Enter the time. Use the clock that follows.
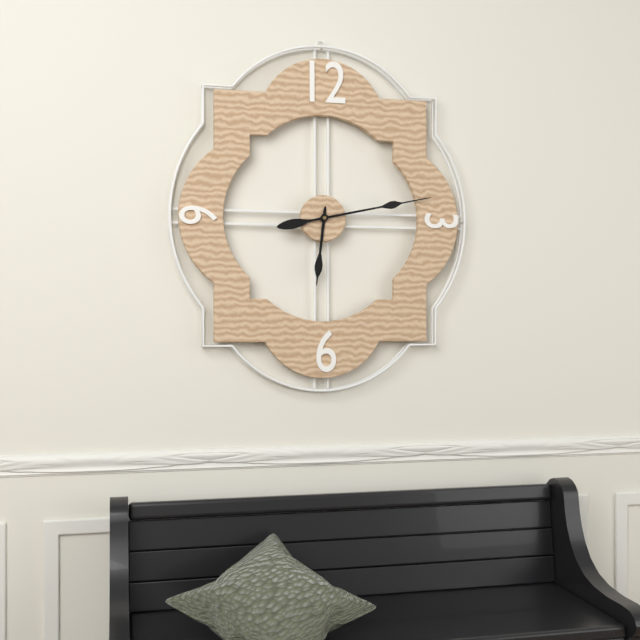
6:13
